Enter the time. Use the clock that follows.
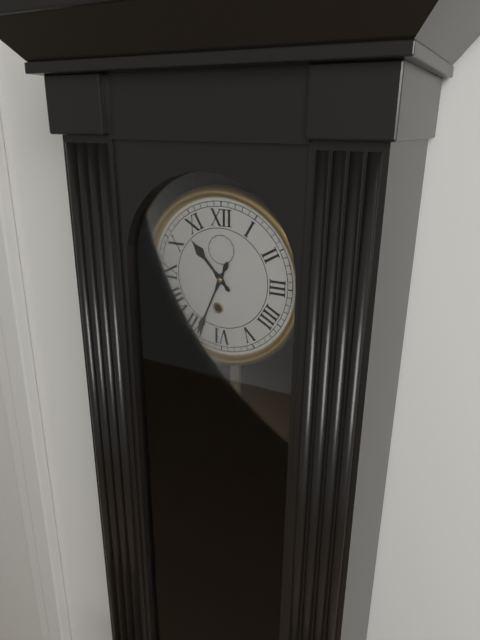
10:34
